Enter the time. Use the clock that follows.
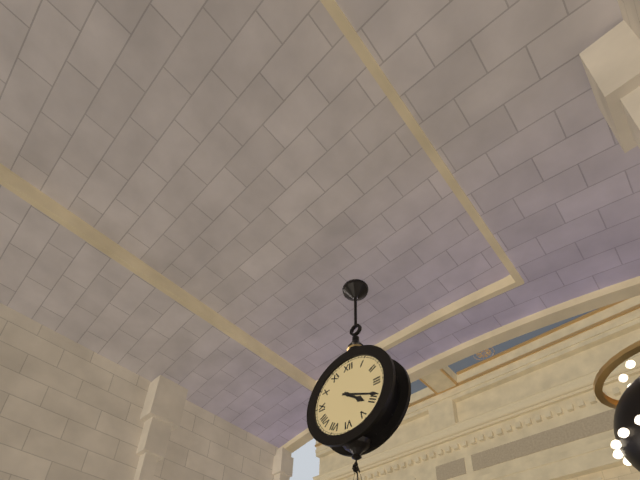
4:19
